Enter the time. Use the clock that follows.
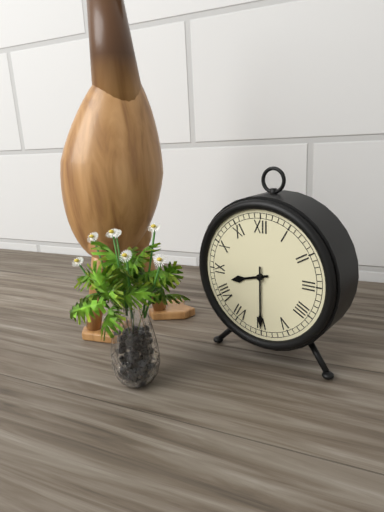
8:30
